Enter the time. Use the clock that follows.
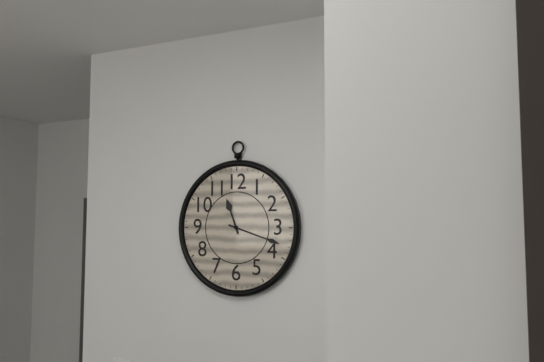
11:18
